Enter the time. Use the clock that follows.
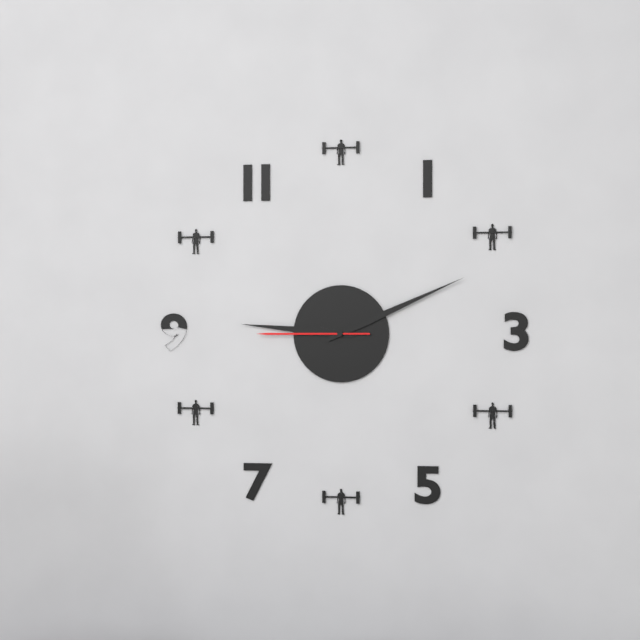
9:11:45
